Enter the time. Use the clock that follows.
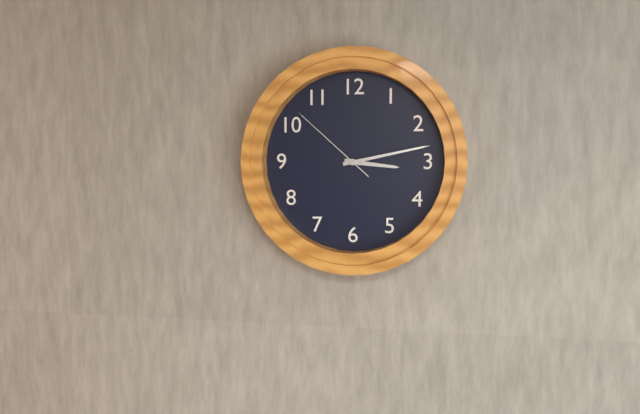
3:13:52
